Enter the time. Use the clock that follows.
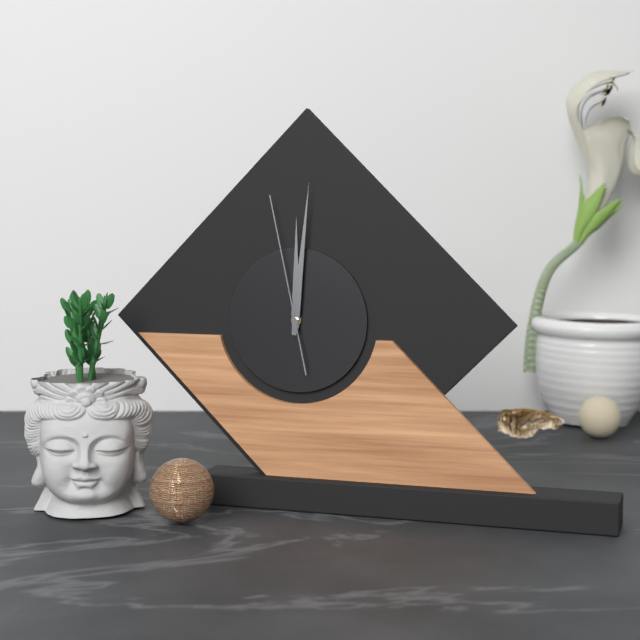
12:01:58
